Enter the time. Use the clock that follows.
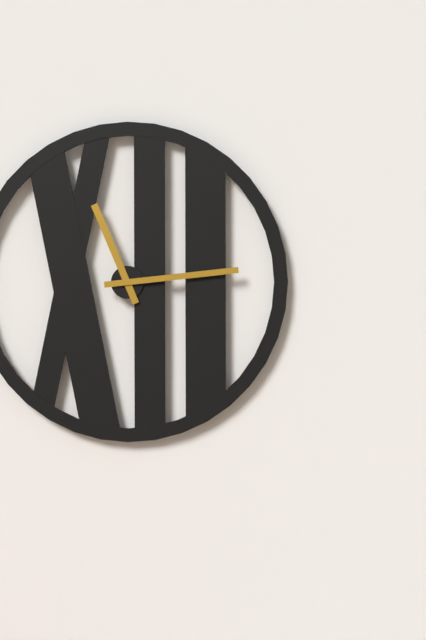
11:14
